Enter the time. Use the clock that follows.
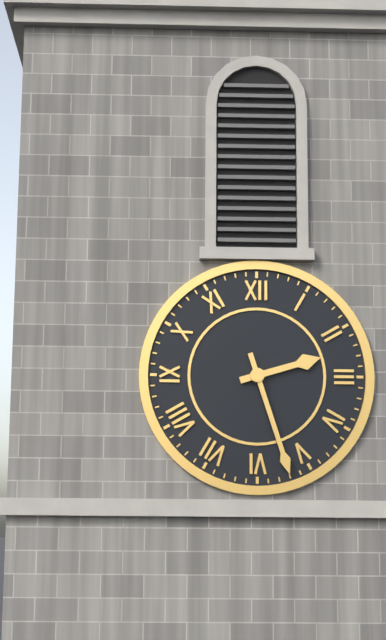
2:27
